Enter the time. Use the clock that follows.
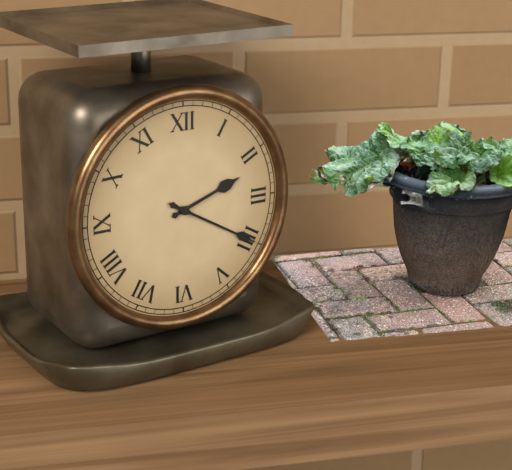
2:20
